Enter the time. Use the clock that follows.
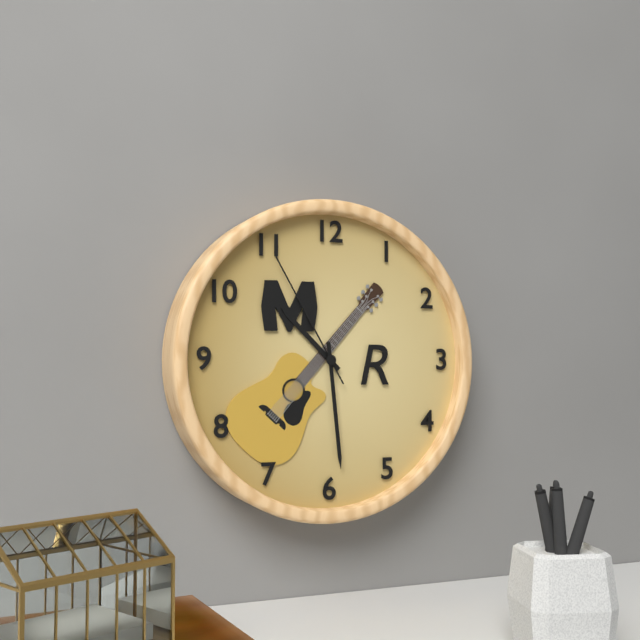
10:29:55
